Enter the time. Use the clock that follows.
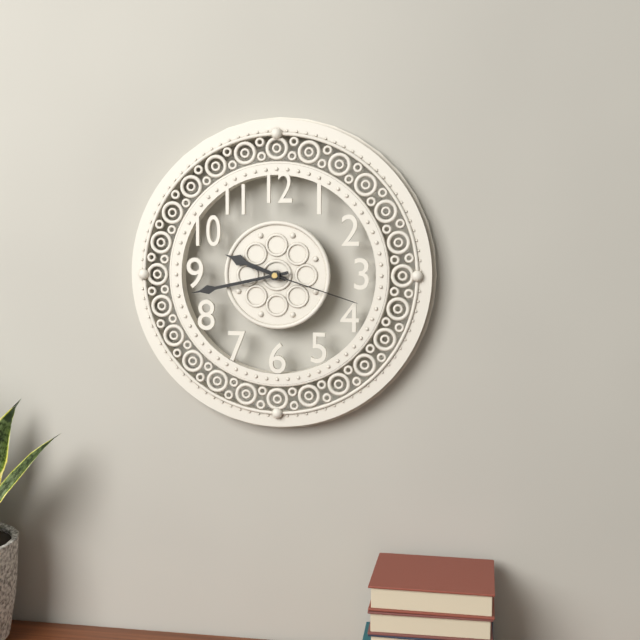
9:43:18
